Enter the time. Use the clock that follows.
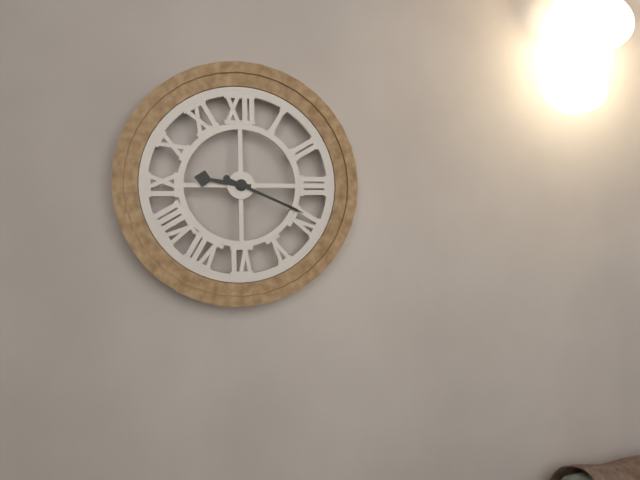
9:19
